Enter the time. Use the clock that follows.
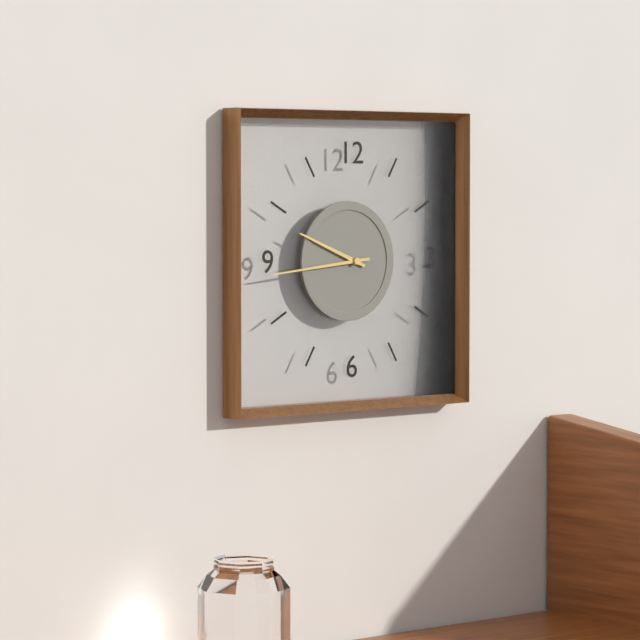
9:44
